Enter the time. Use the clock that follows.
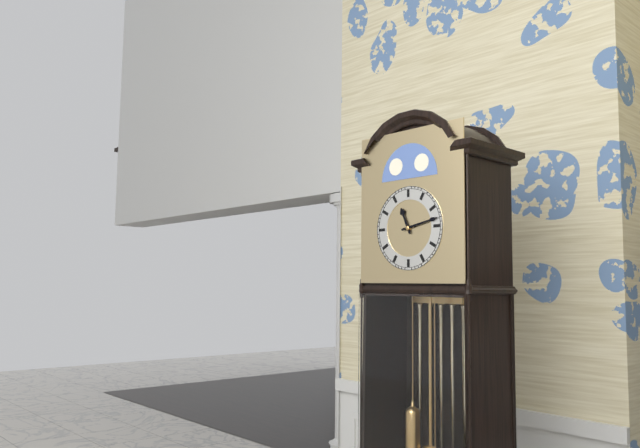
11:13
